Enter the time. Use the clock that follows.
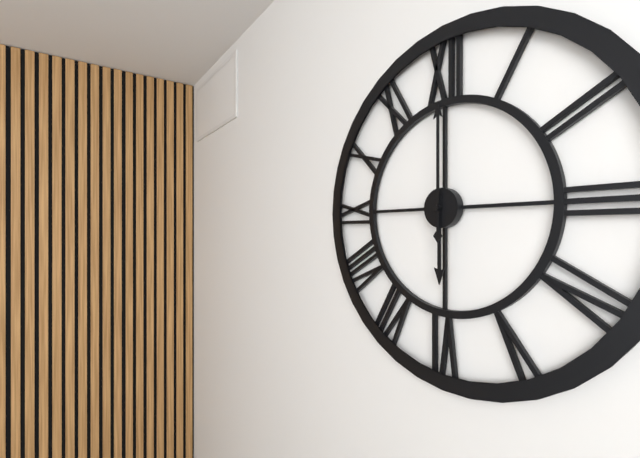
6:00
